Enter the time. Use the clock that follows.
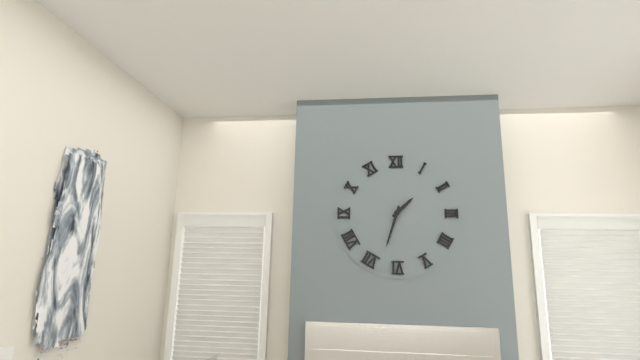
1:33
